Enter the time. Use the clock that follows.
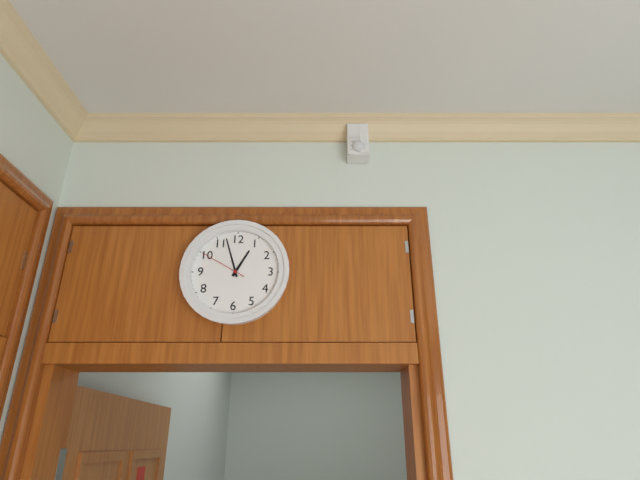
12:57
